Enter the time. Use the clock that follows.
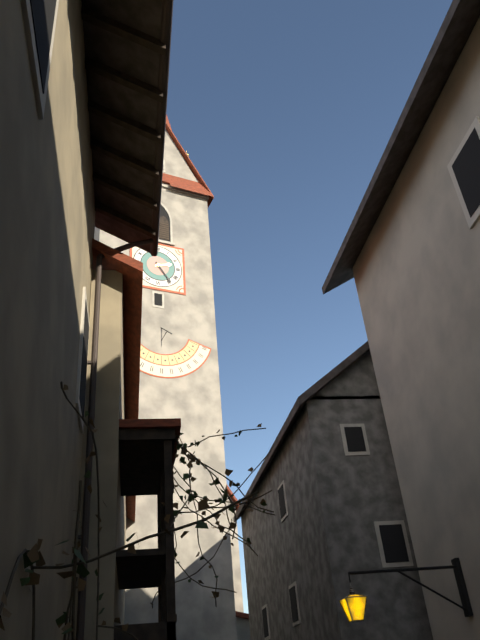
2:24
